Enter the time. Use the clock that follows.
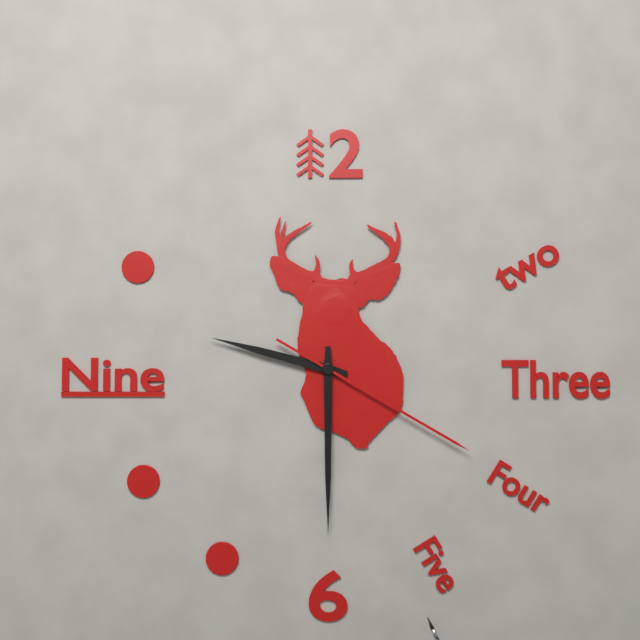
9:30:20
